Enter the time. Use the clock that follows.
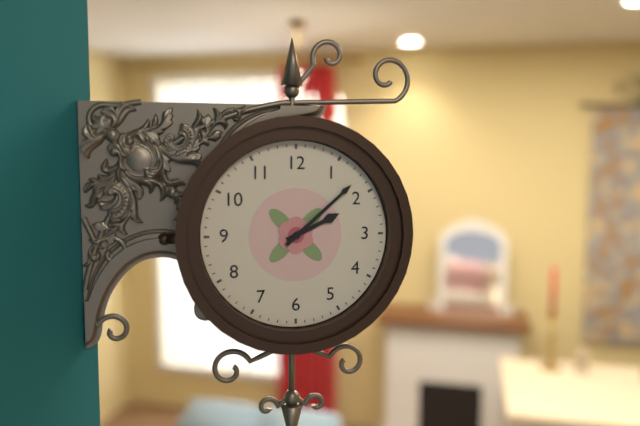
2:08
